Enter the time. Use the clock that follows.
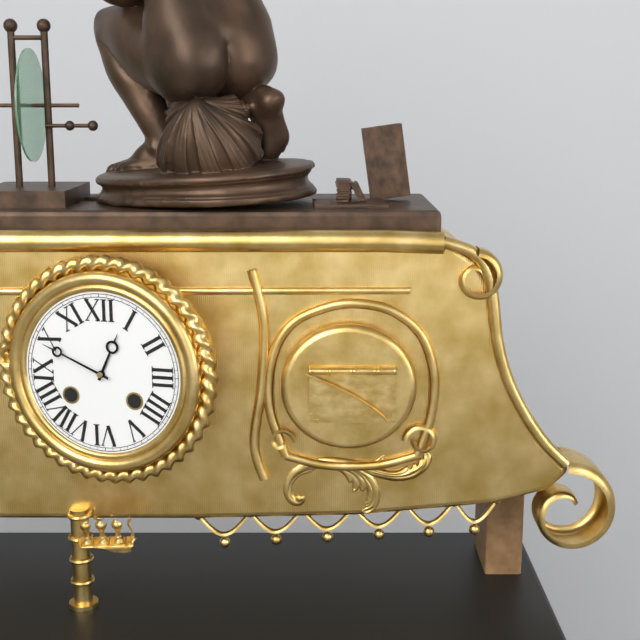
12:49
